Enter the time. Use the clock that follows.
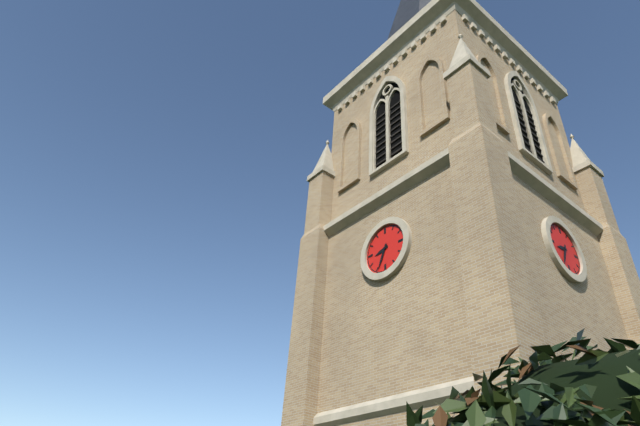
8:34
